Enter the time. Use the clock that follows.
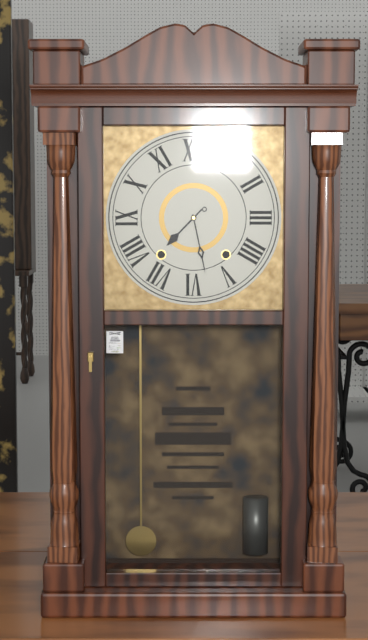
7:28
